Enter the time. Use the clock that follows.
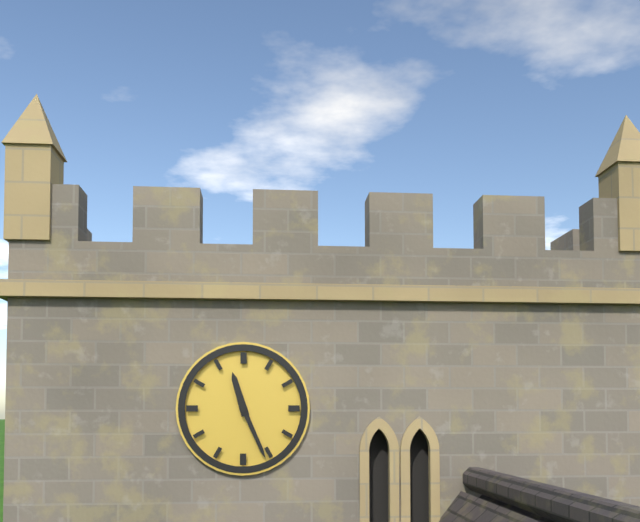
11:26
